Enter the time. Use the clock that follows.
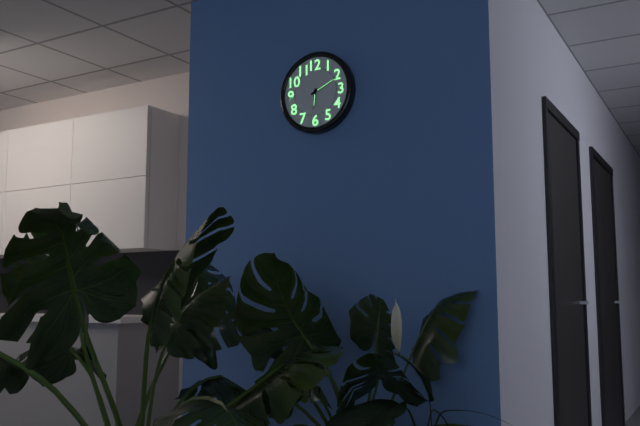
6:11
